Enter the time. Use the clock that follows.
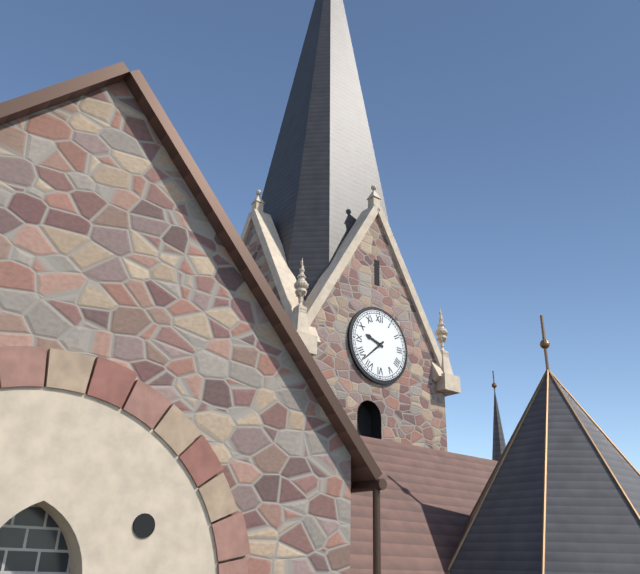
9:38
